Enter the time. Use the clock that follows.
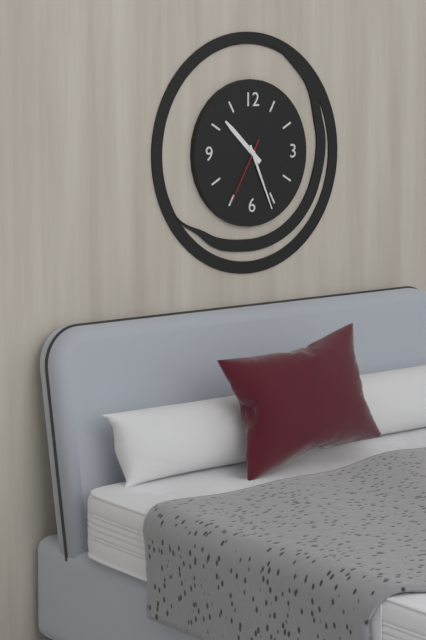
10:26:35
